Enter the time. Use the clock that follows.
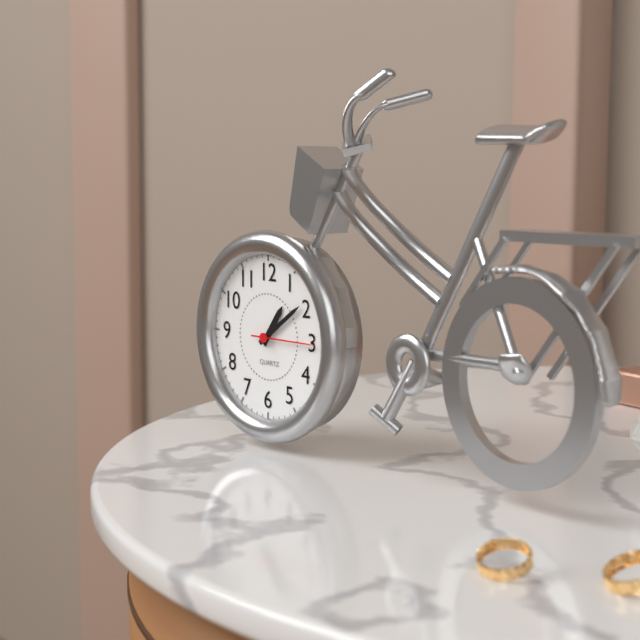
1:09:15
